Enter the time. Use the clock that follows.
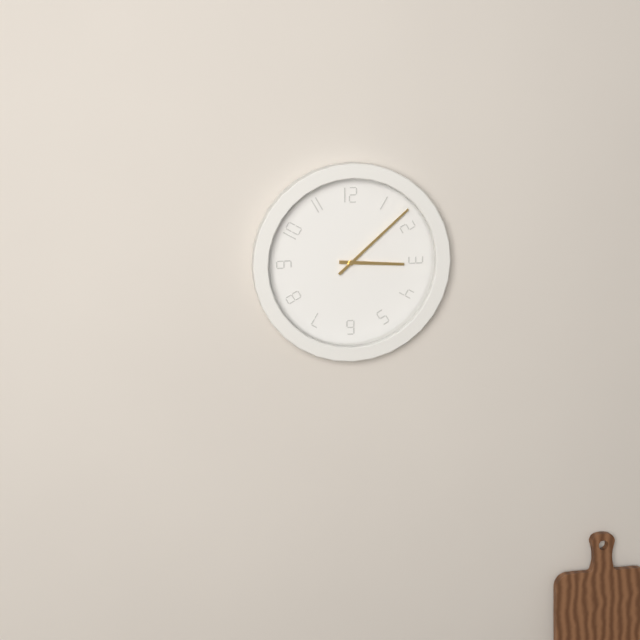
3:08
